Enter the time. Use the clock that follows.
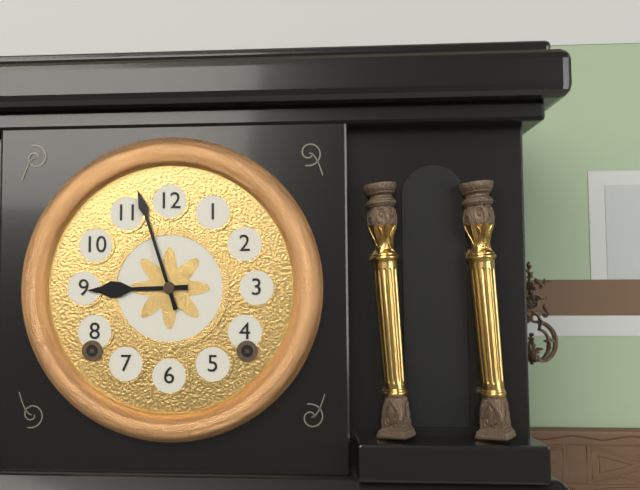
8:57
